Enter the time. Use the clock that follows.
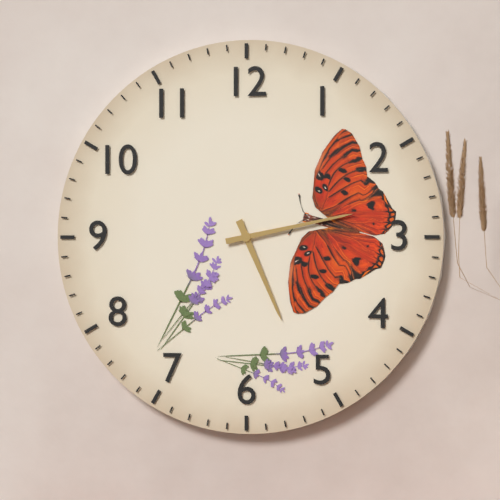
5:13
